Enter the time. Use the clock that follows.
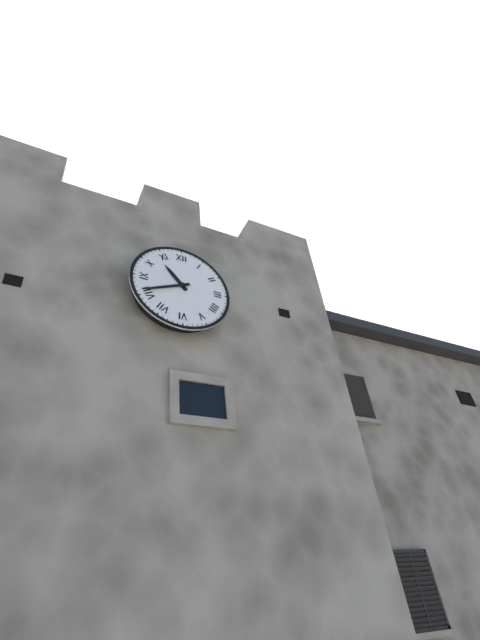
10:41
